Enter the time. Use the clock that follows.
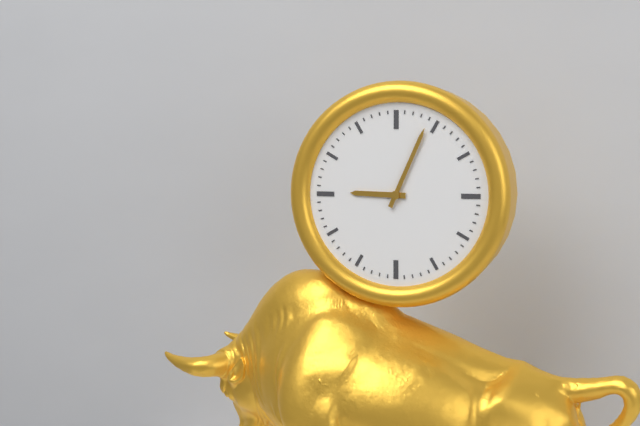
9:04
